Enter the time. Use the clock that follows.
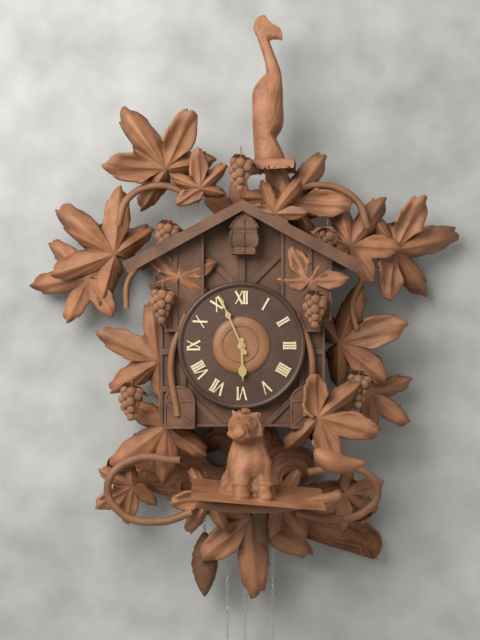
5:56
